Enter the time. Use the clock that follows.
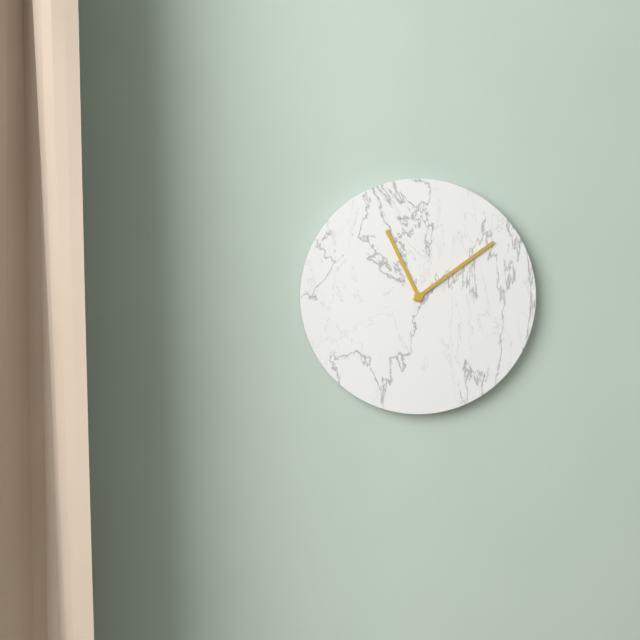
11:09
